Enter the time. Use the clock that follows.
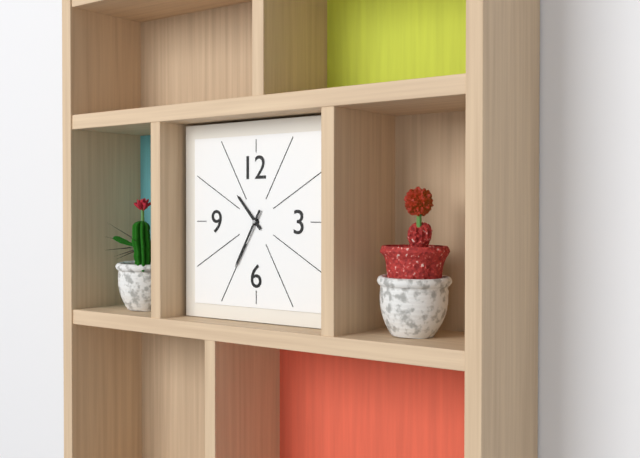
10:35
